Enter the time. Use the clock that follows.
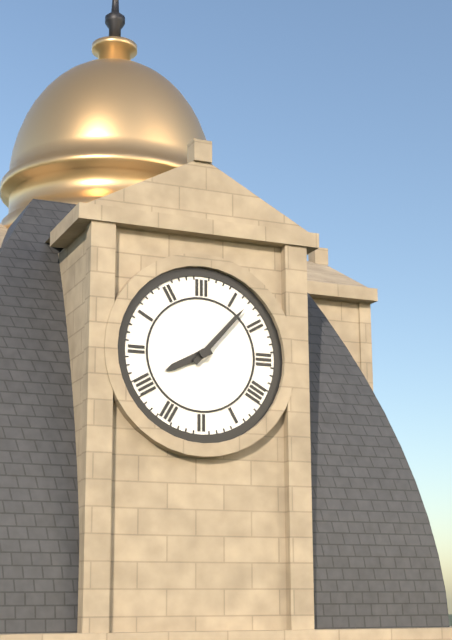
8:07
